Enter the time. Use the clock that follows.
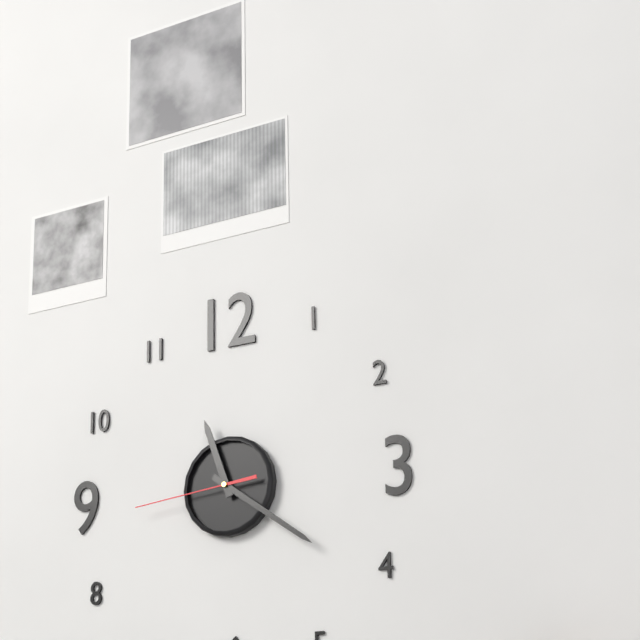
11:21:44
